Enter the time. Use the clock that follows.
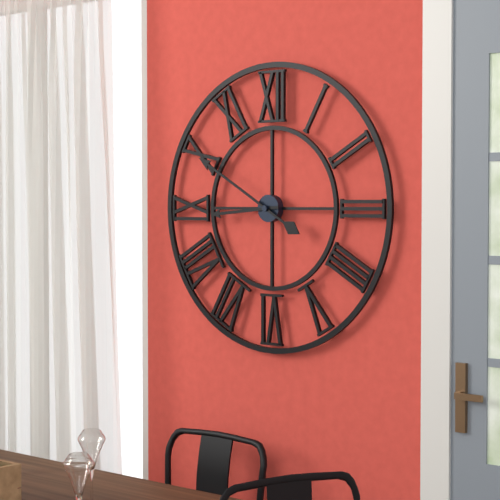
8:50
